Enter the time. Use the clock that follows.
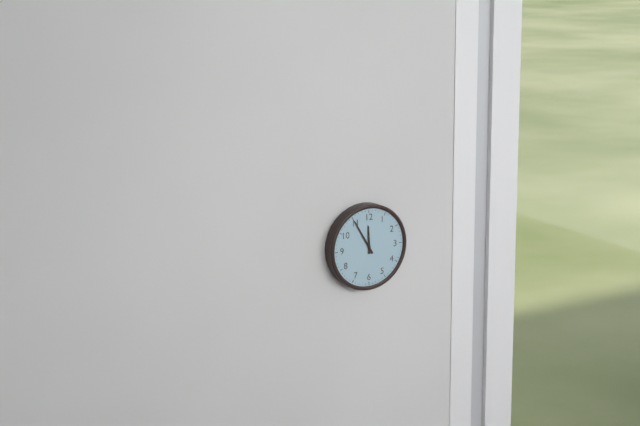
11:55
